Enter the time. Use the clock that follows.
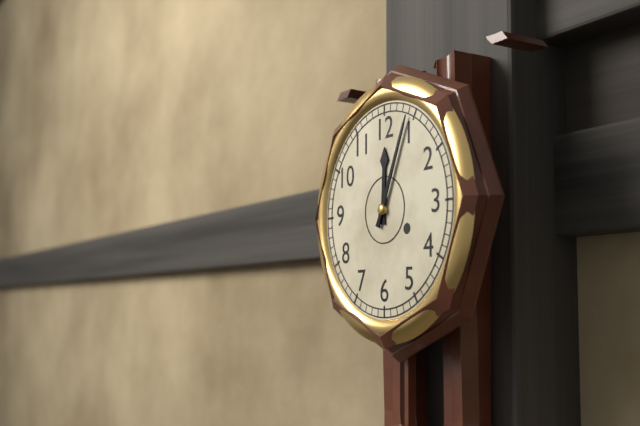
12:04
